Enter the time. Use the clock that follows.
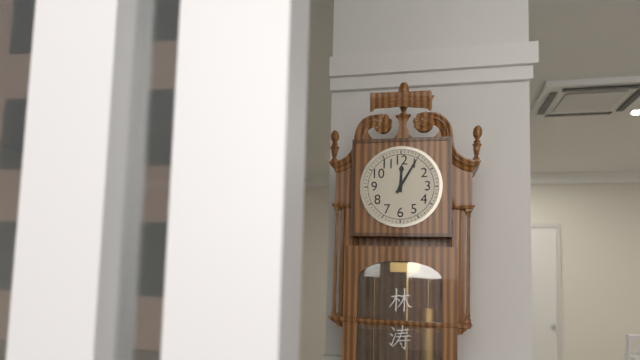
12:05
